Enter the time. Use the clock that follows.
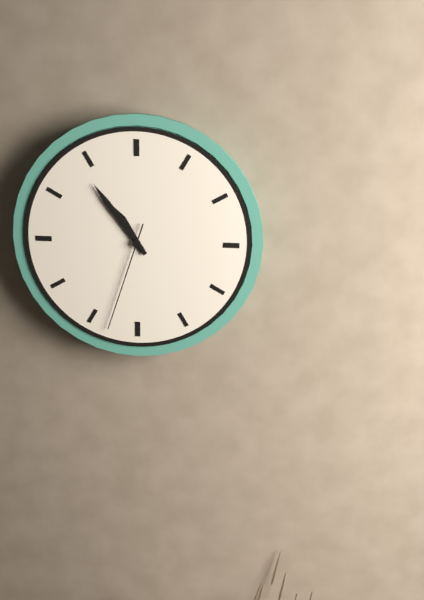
10:54:33
